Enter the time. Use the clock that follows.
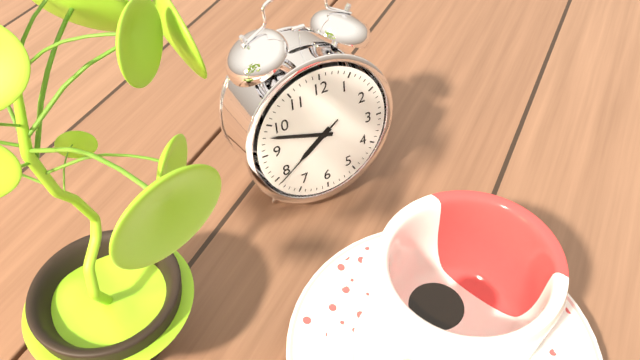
7:48:39
